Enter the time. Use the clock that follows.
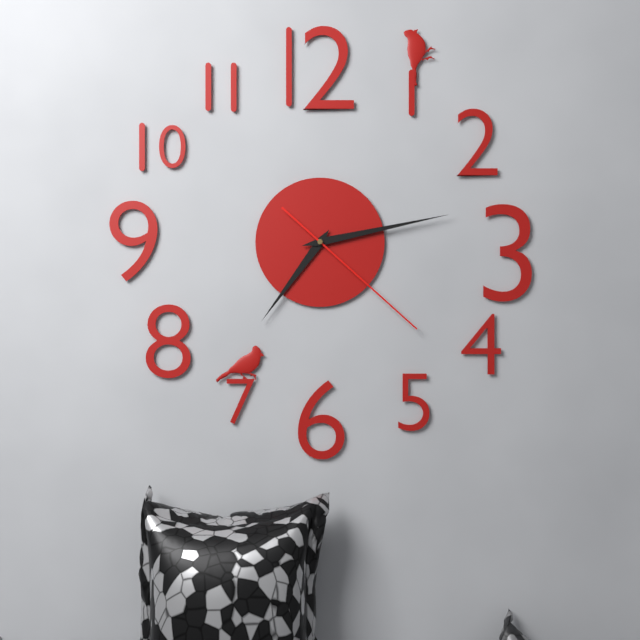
7:13:22
